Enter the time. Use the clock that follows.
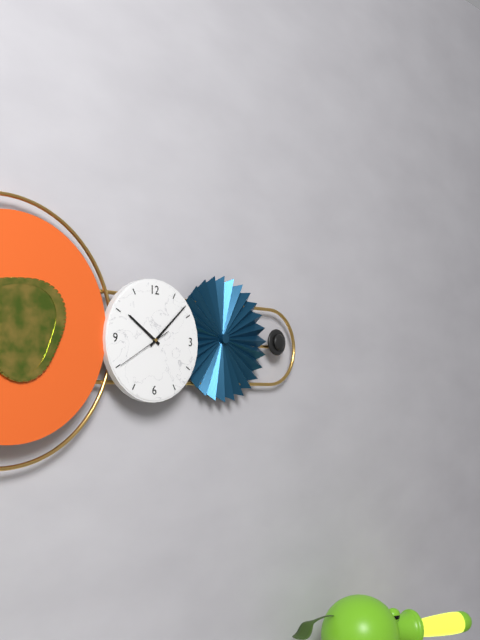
10:08:40
